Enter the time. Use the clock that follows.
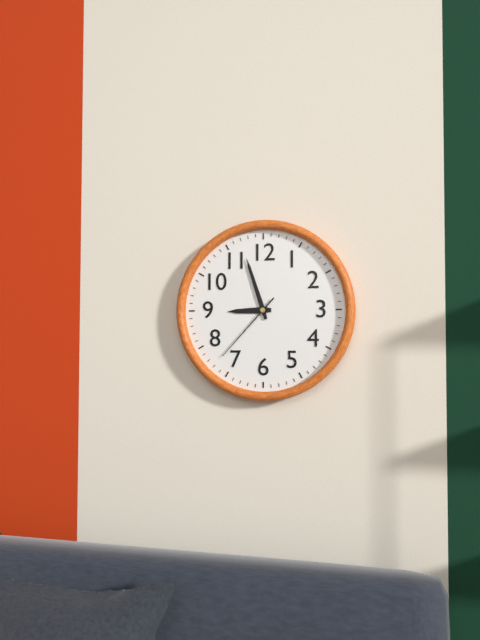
8:57:37
